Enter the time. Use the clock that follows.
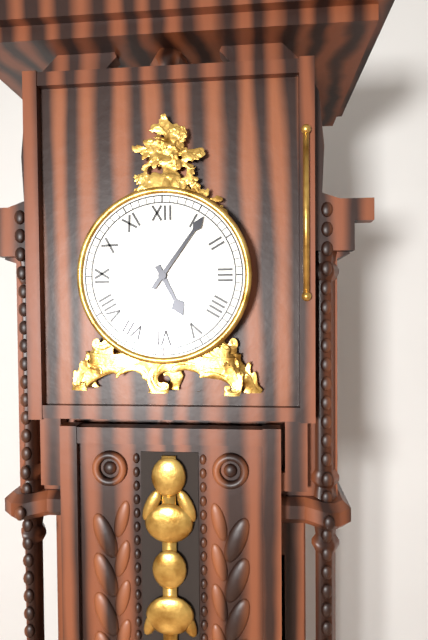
5:06
